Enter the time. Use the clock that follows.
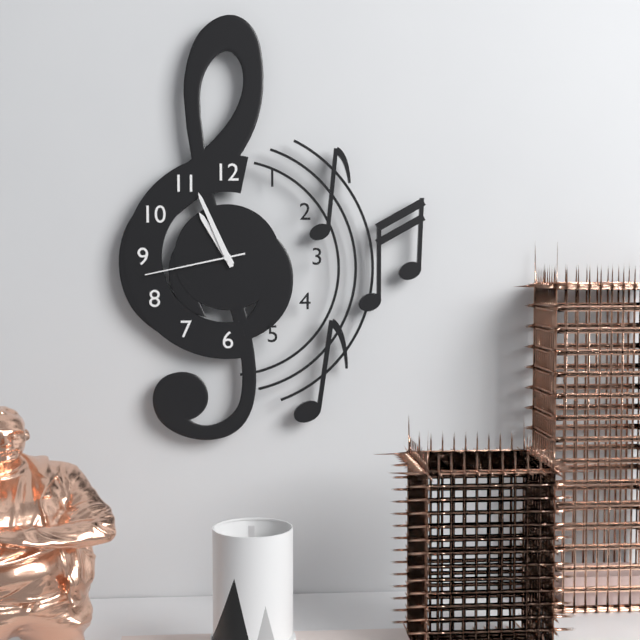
10:56:43
